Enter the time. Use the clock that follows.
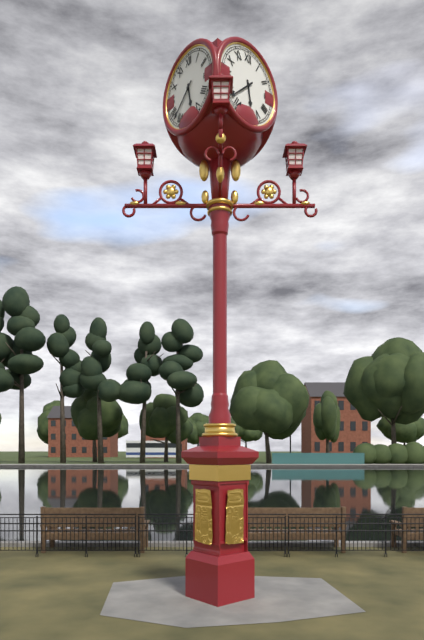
5:38
